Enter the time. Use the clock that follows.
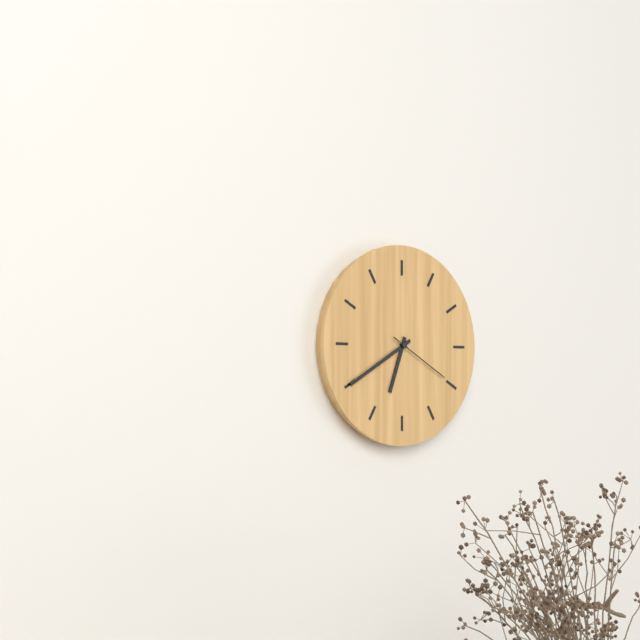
6:40:20
